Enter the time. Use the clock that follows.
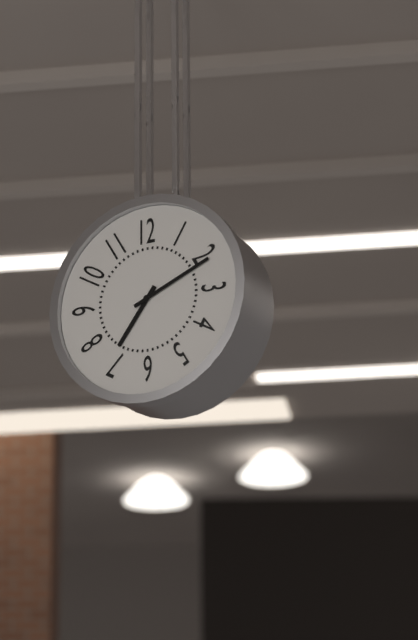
7:11
